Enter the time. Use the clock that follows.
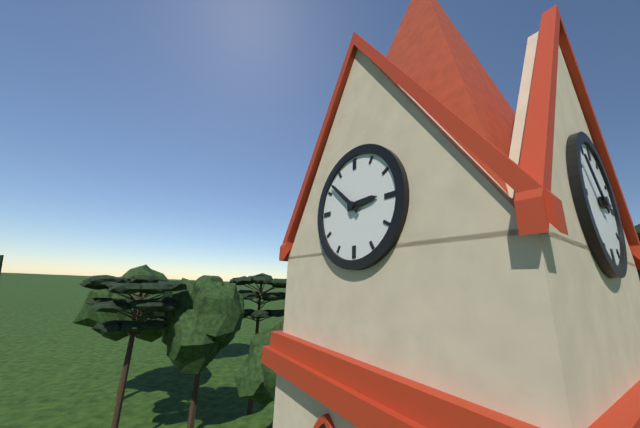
2:52
